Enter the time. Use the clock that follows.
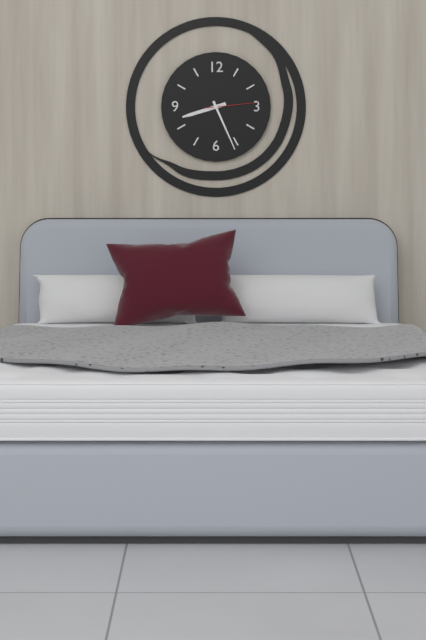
8:26:14
